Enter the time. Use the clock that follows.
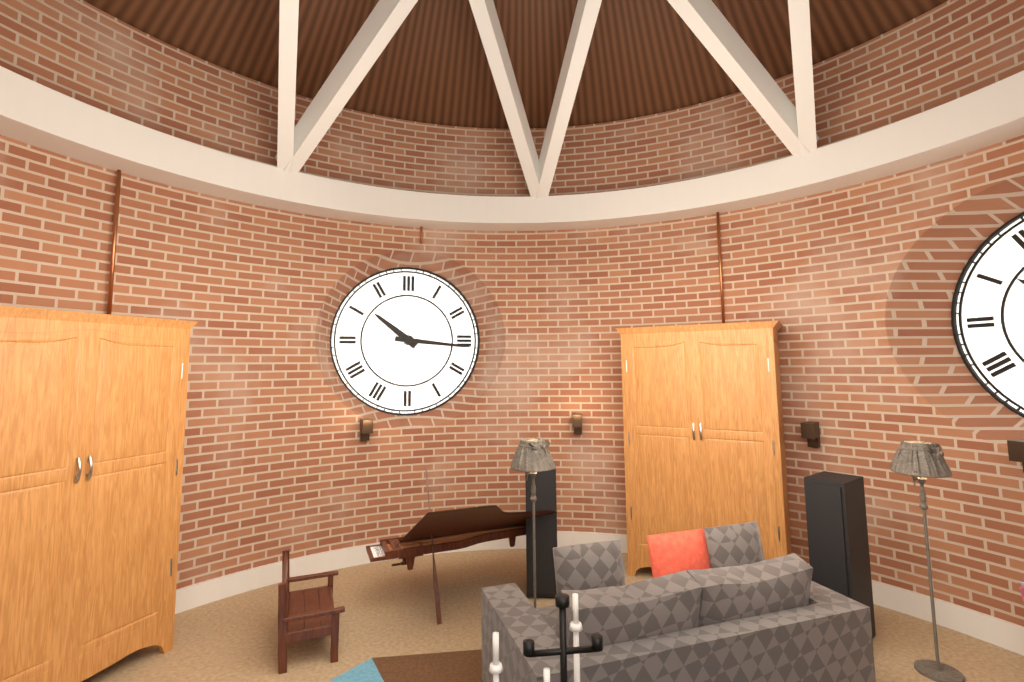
10:16
